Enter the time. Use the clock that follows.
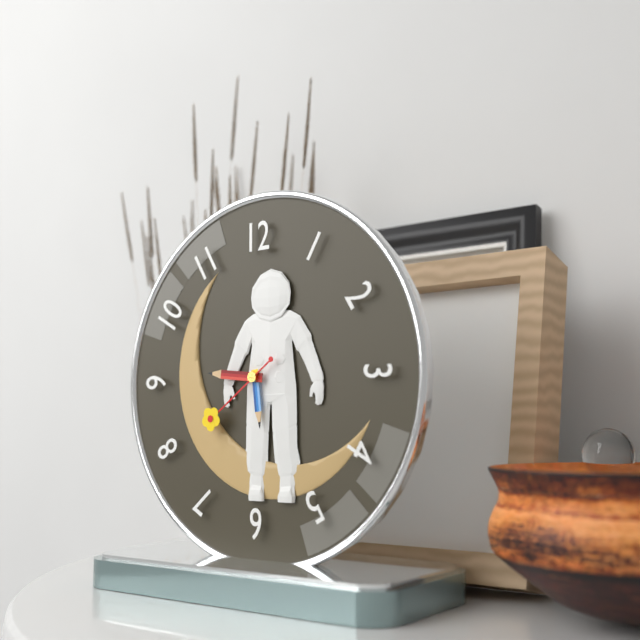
5:46:39
